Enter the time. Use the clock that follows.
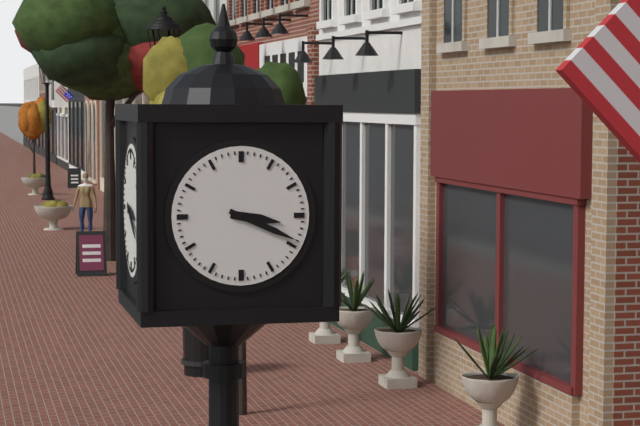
3:19
